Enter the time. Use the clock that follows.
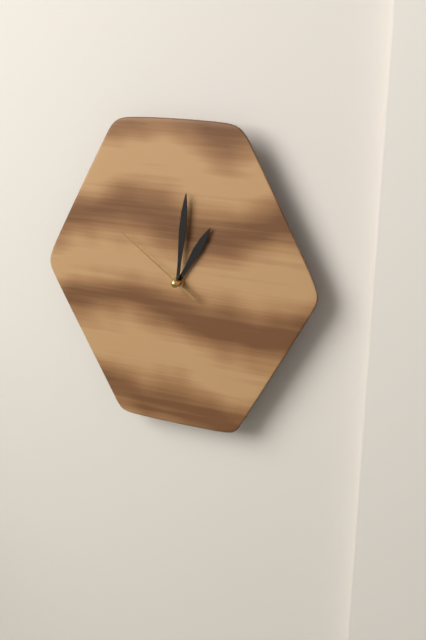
1:01:51
